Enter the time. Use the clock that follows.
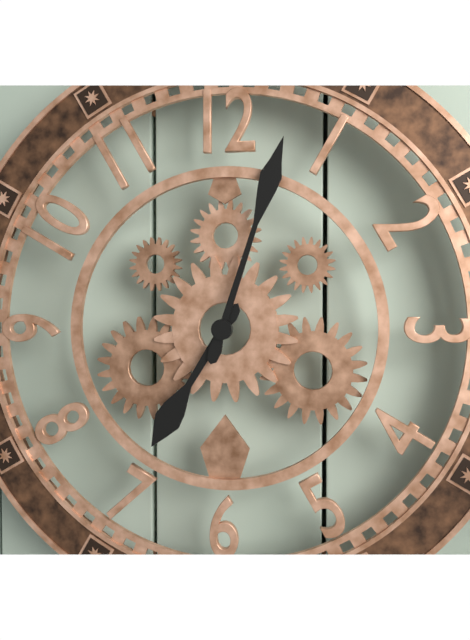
7:03
